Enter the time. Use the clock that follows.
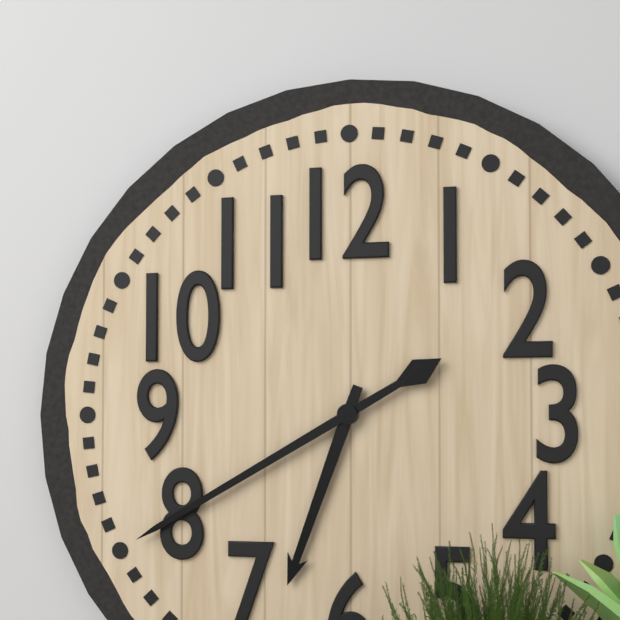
6:40
